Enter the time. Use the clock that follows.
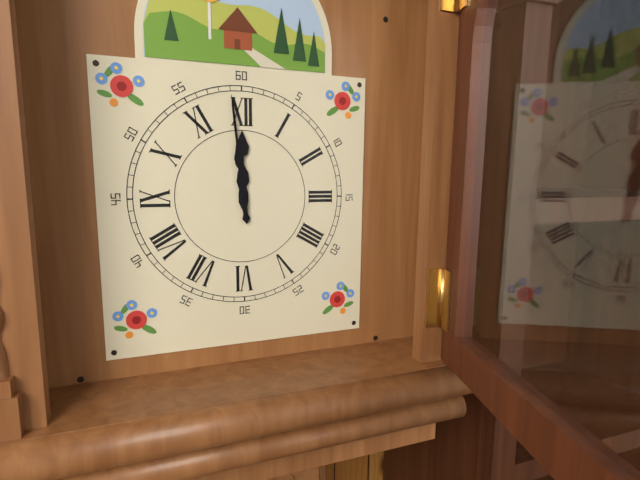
11:59
